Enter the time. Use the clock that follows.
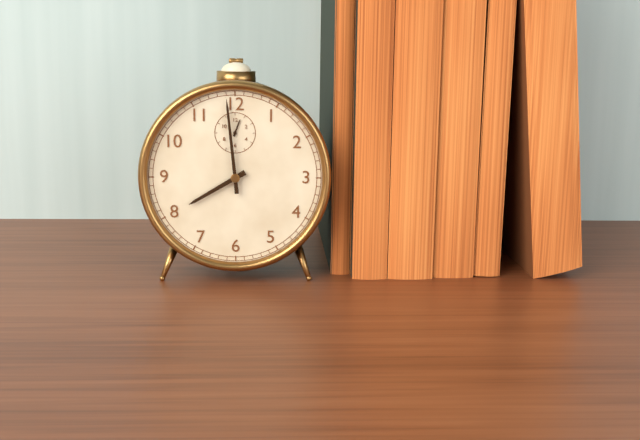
7:59
